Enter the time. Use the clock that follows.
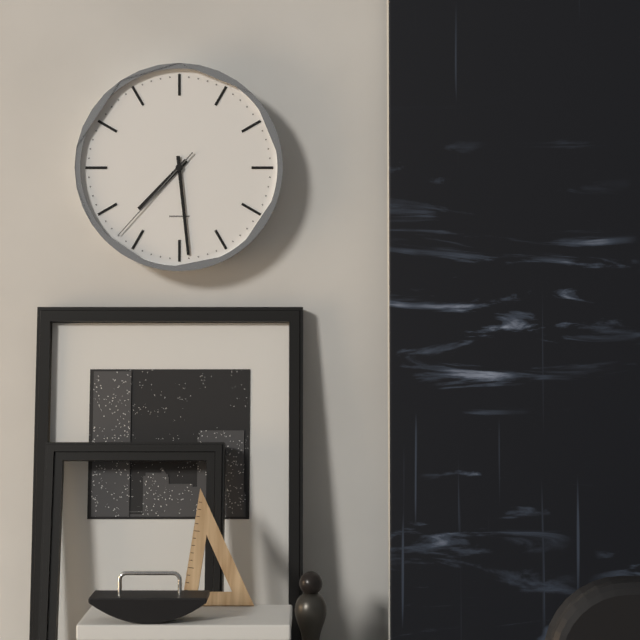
7:29:37
